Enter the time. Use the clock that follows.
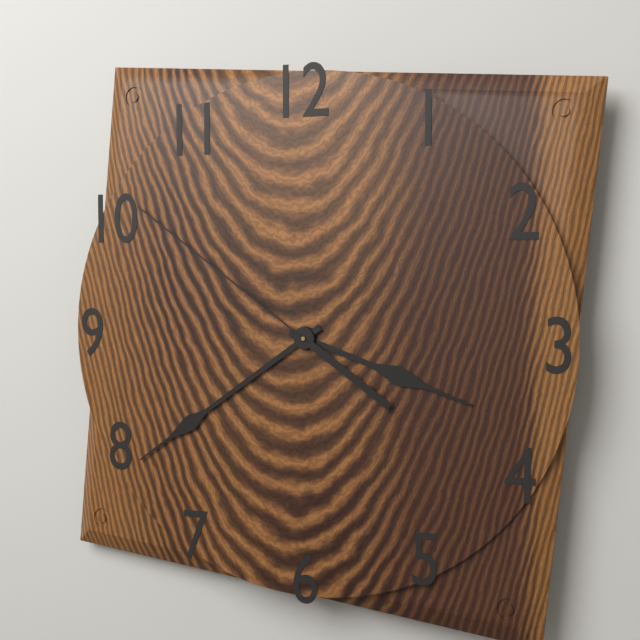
3:39:51
